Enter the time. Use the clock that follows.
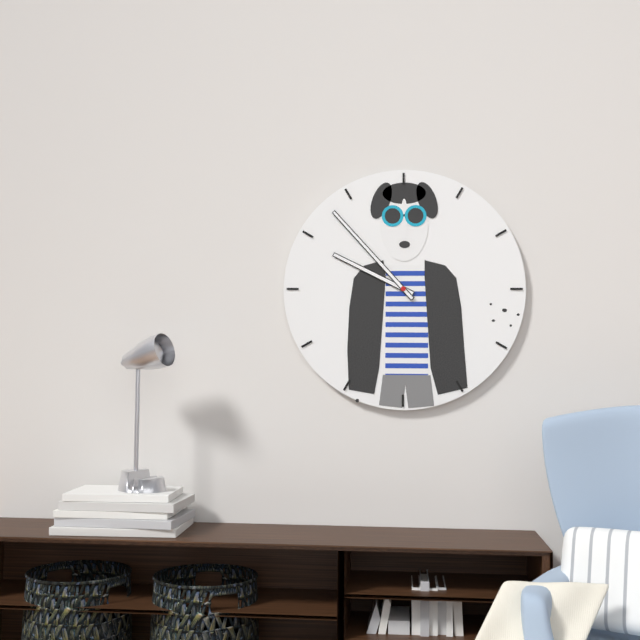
9:53
